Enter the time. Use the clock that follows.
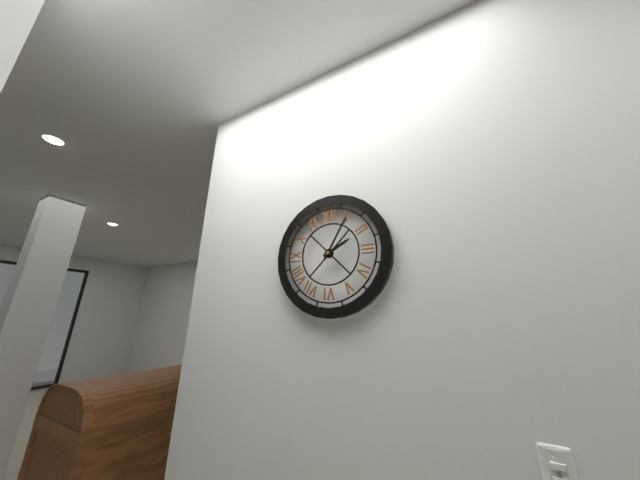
2:05
